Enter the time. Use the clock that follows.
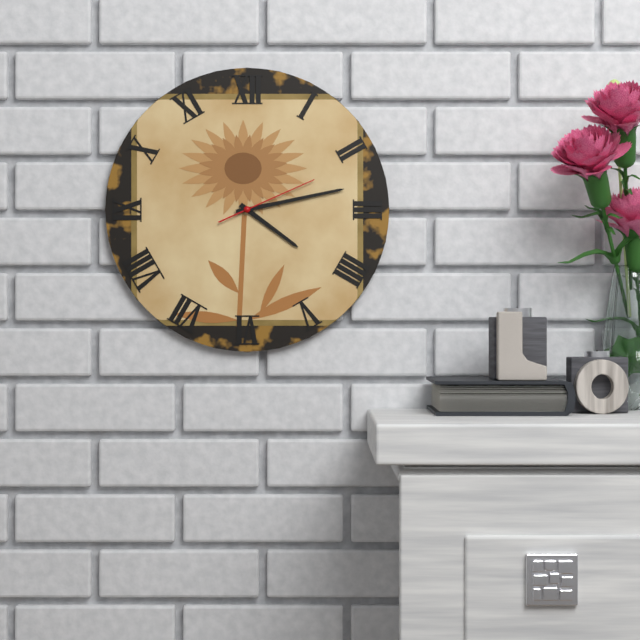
4:13:11
